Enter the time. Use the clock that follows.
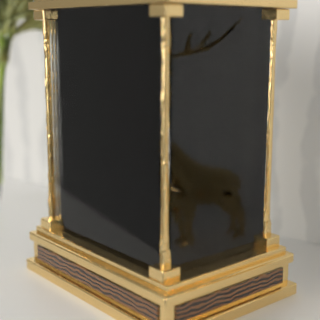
10:06
